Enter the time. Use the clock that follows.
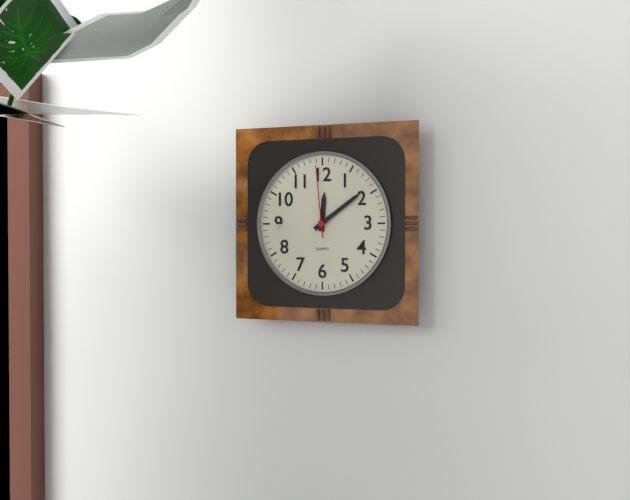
12:09:59
